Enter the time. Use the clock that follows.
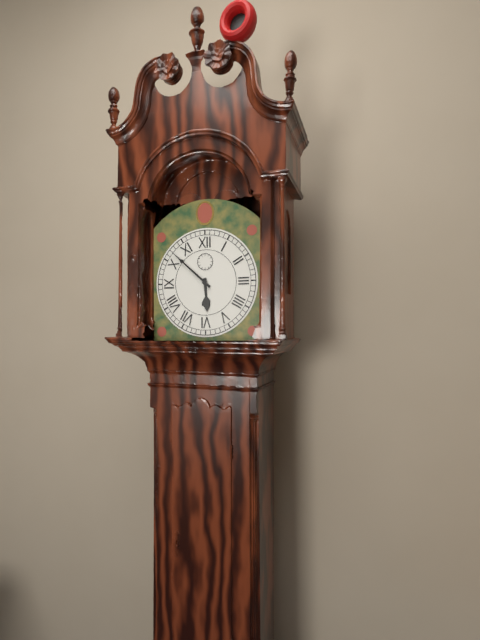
5:52
